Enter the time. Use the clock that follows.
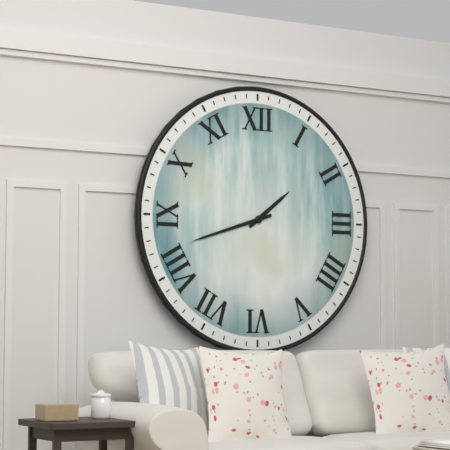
1:42
